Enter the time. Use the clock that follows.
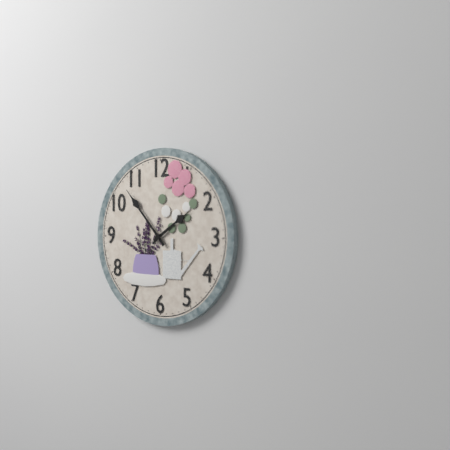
1:53
